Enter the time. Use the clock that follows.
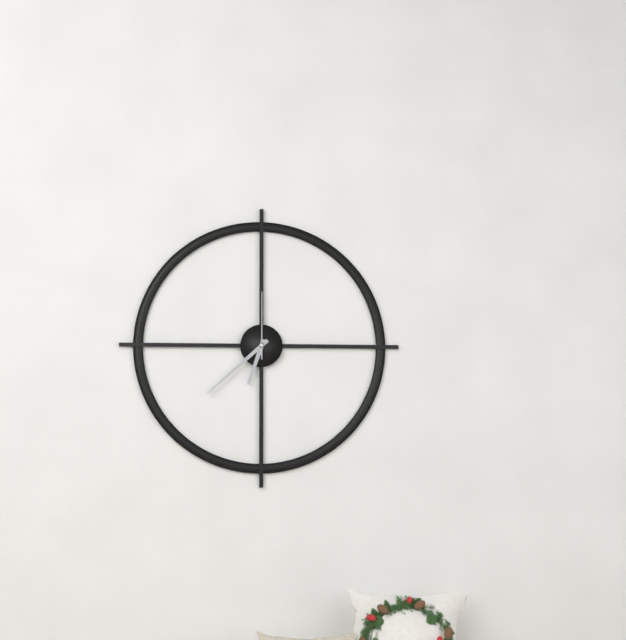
6:38:00
